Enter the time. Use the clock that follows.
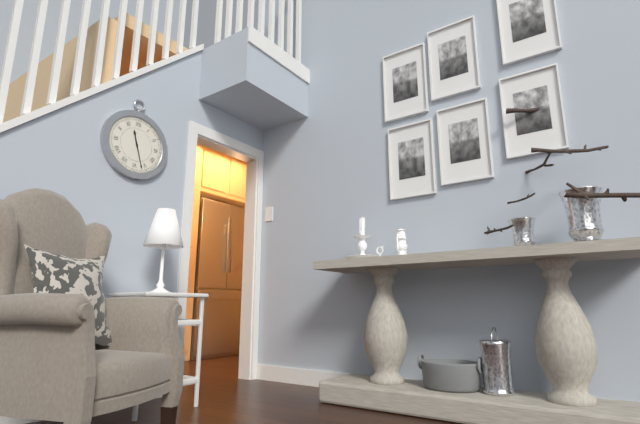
11:27
